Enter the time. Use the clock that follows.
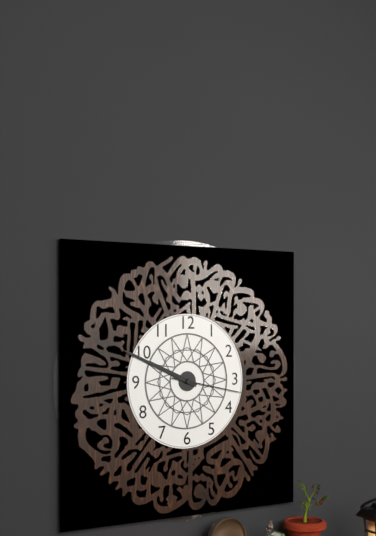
9:49:17
